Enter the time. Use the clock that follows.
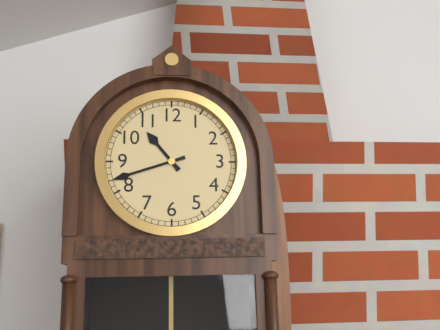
10:42
